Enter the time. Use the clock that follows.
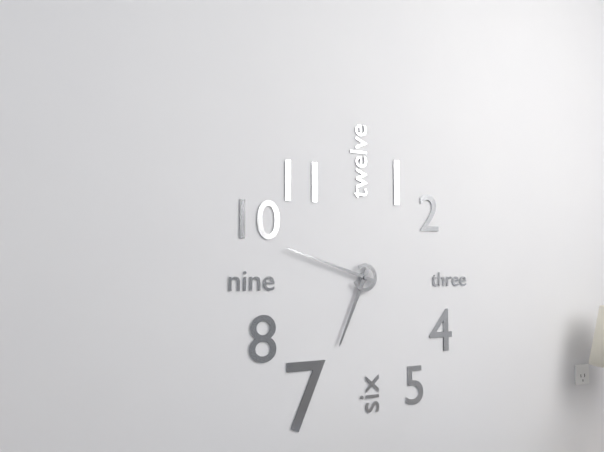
6:48
